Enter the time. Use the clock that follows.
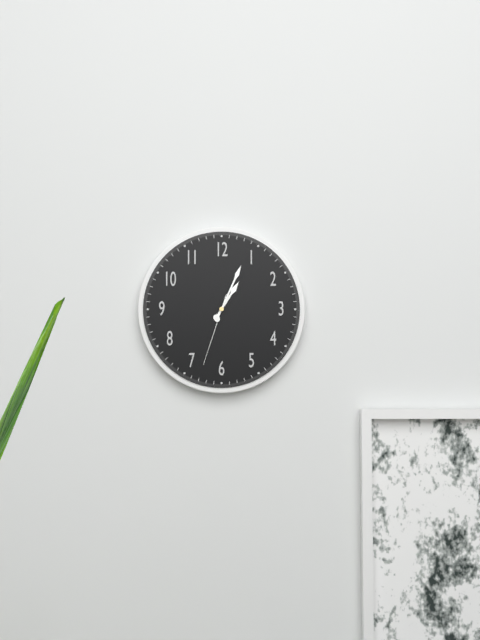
1:04:33
